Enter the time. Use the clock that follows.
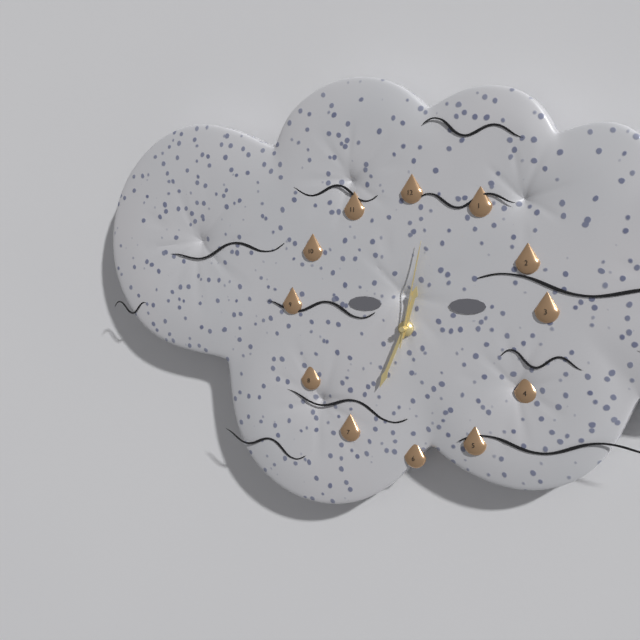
12:34:02
